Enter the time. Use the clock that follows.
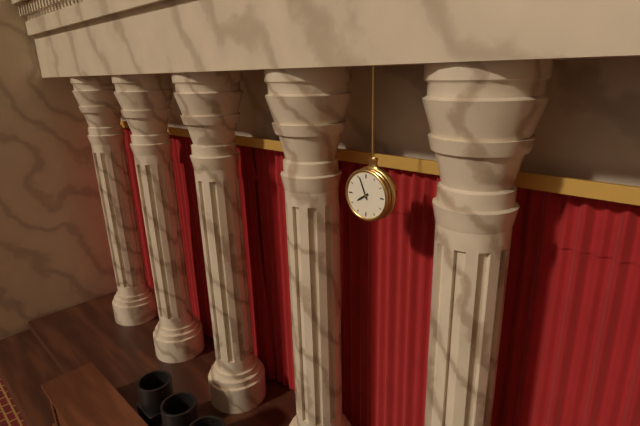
7:56
